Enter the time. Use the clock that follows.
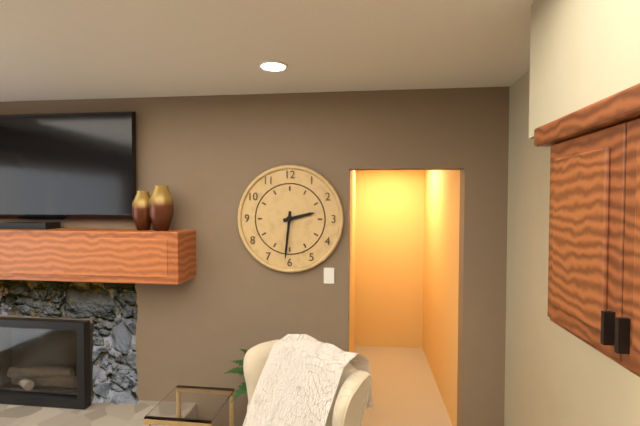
2:31
